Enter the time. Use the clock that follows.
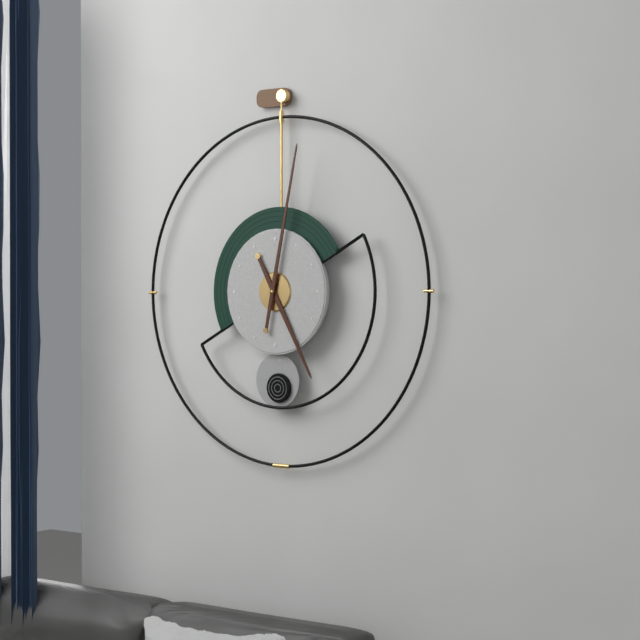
5:02
